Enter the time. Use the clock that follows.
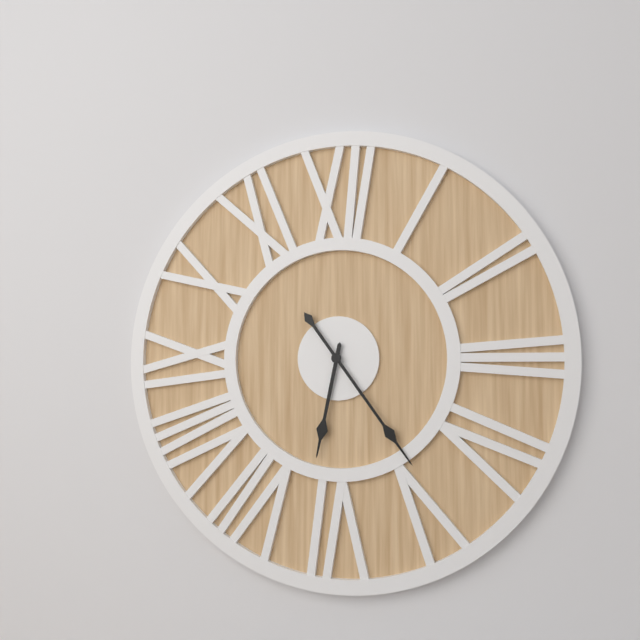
6:24
